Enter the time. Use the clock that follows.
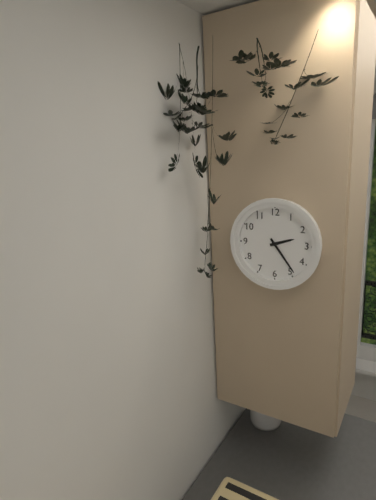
2:24
